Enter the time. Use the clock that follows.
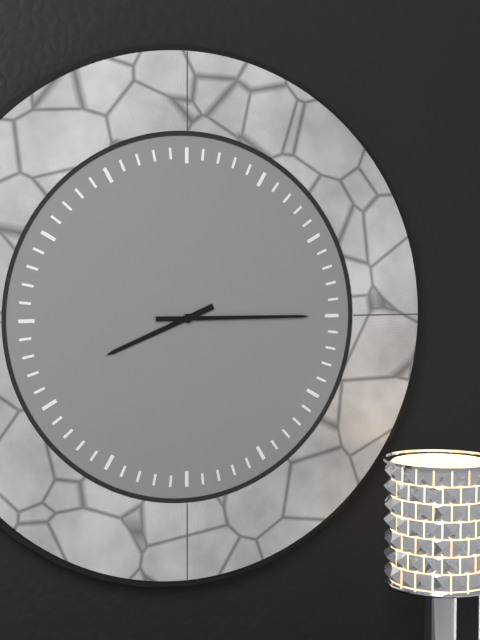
8:15
